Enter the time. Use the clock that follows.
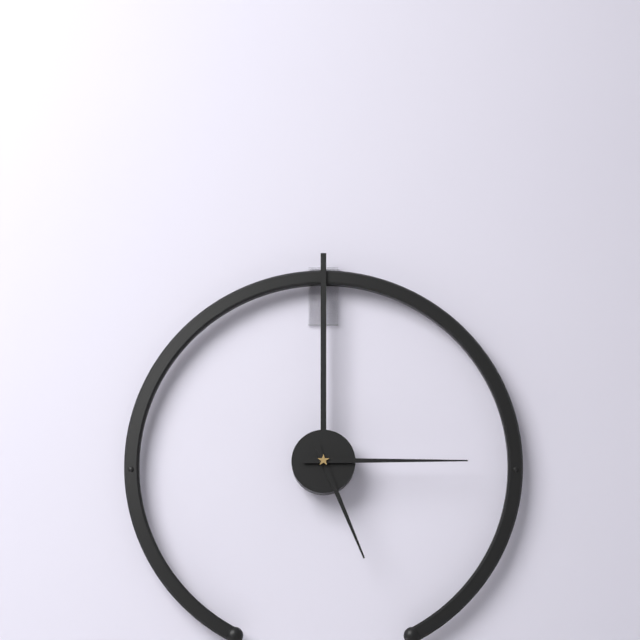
5:15
